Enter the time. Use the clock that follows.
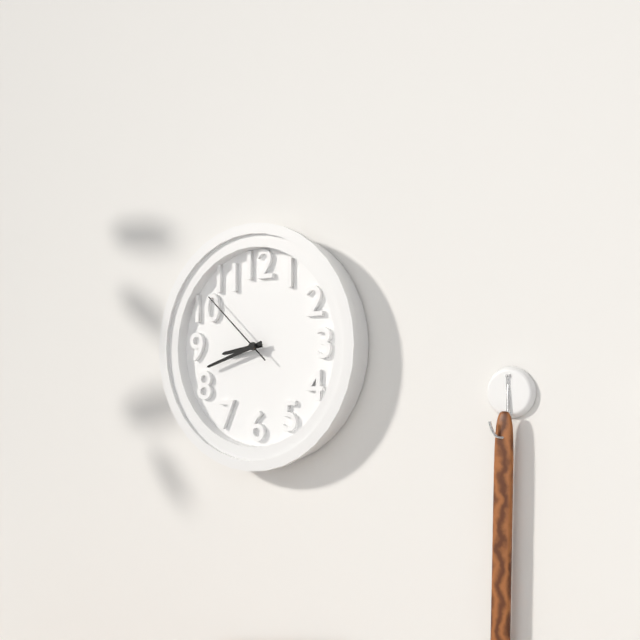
8:42:52
